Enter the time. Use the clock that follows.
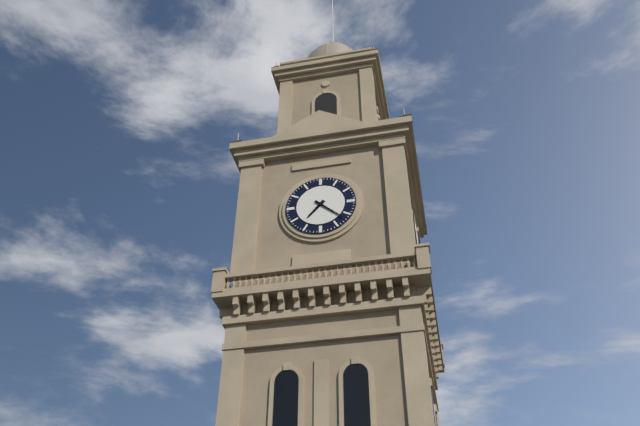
7:22
